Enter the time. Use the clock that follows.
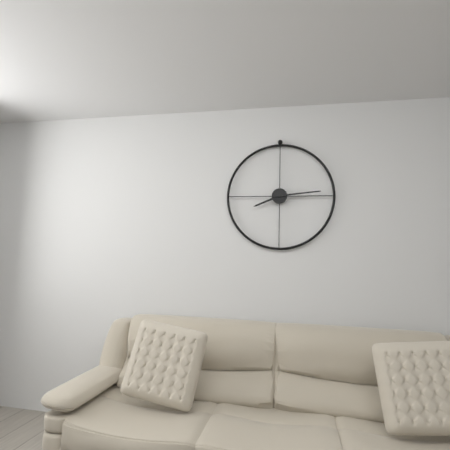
8:14
